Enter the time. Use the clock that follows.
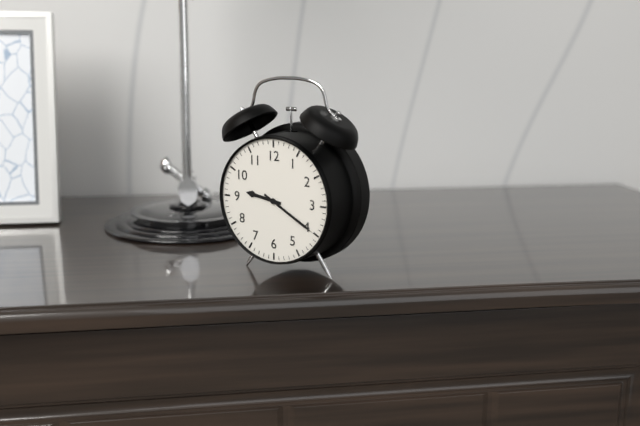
9:20
